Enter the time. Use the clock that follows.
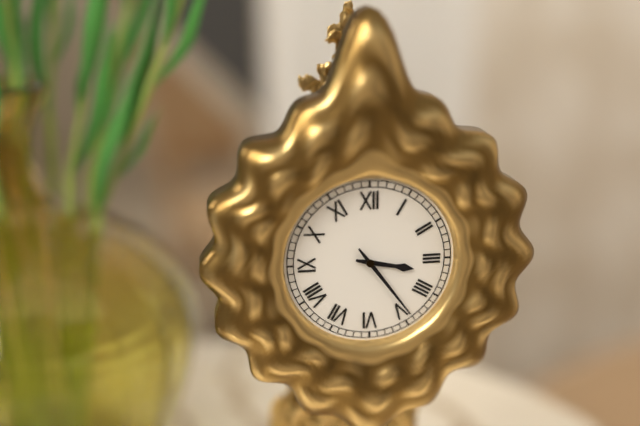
3:24
